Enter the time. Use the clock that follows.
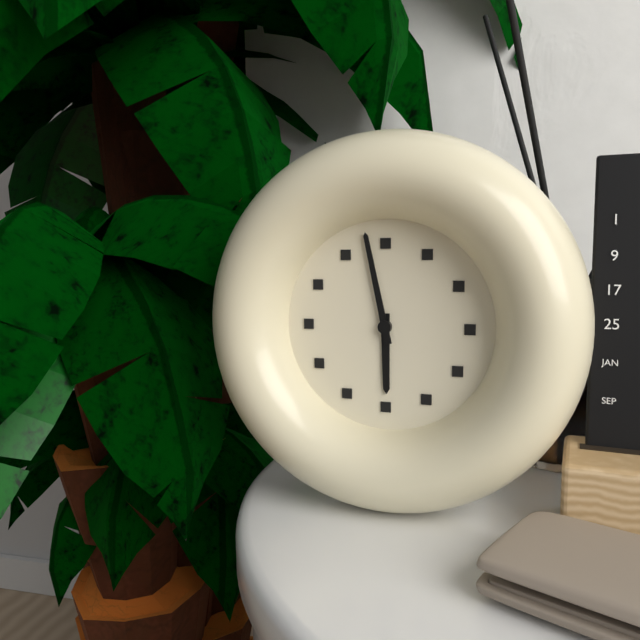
5:58
